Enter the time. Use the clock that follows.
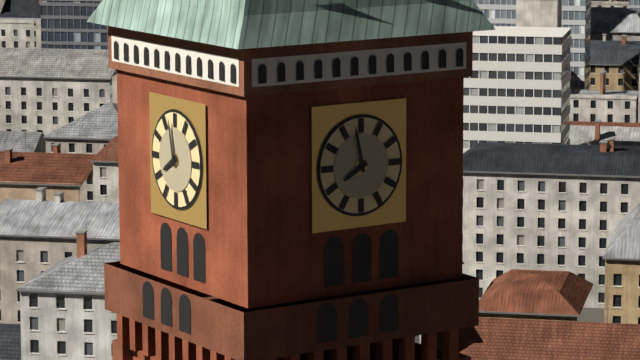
7:58
